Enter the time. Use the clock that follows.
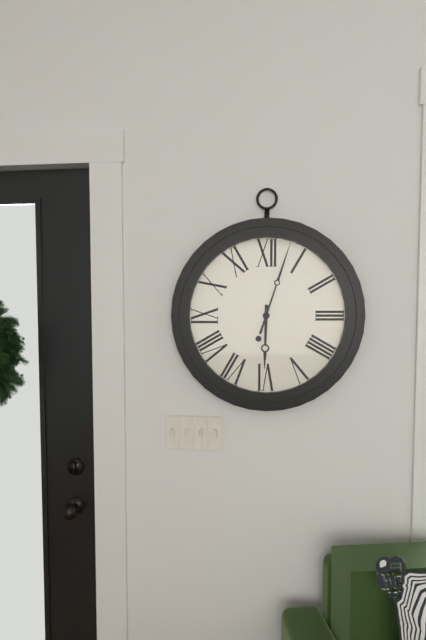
6:03
